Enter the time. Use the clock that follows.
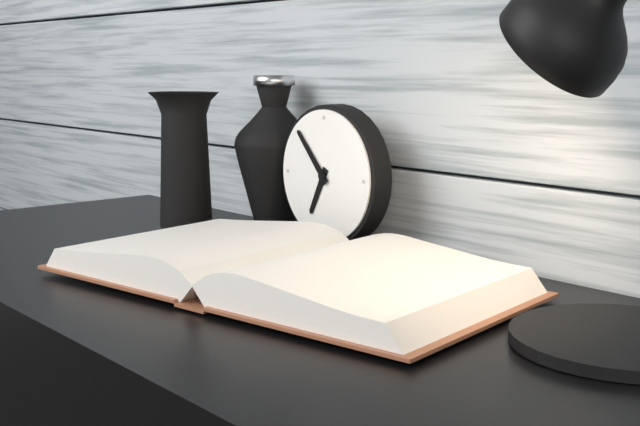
6:53
